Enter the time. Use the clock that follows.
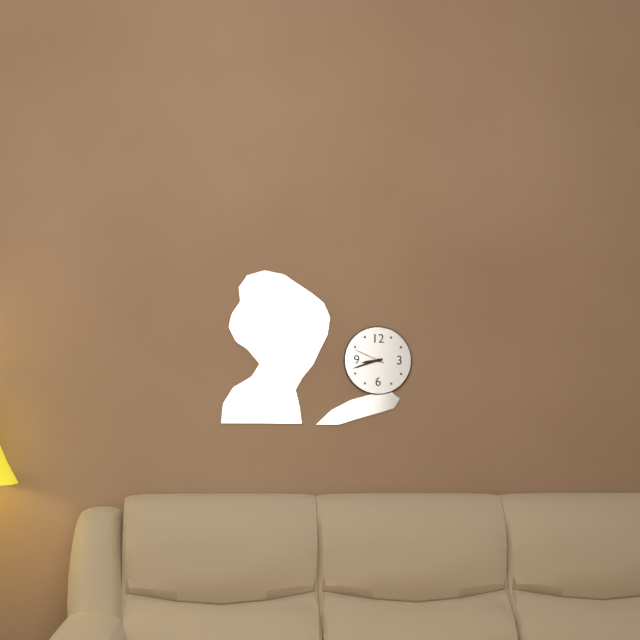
8:42
